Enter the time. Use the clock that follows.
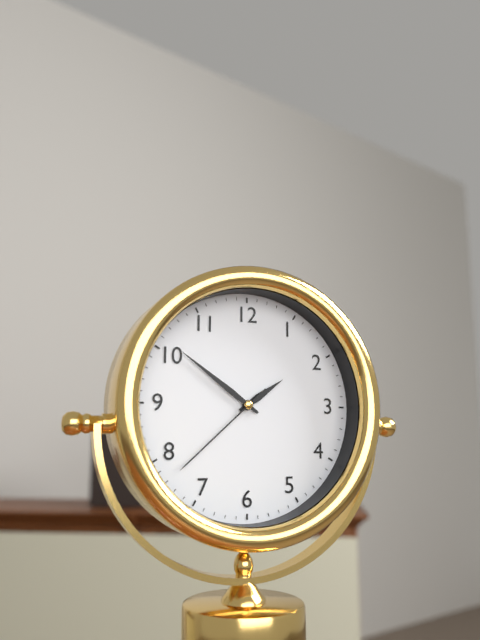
1:51:38
